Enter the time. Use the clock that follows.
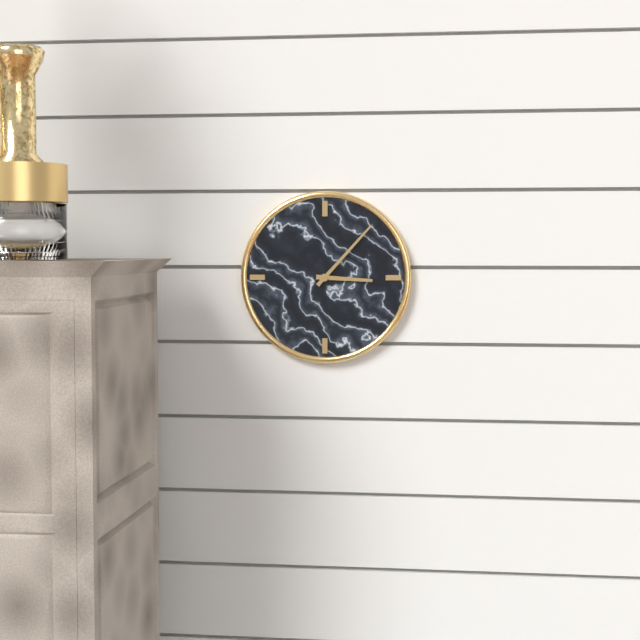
3:07
